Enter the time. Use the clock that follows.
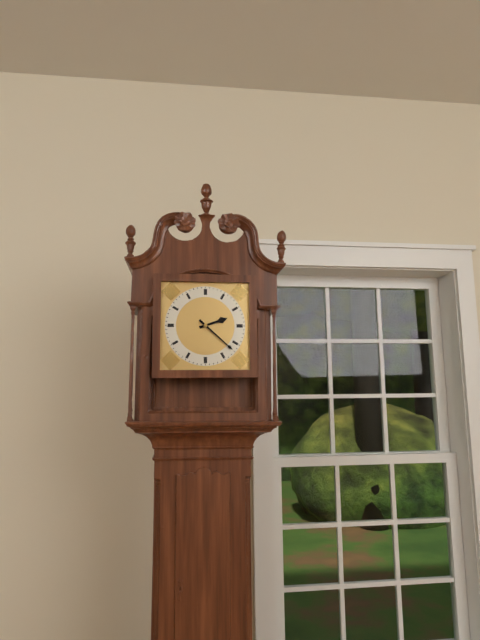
2:22
